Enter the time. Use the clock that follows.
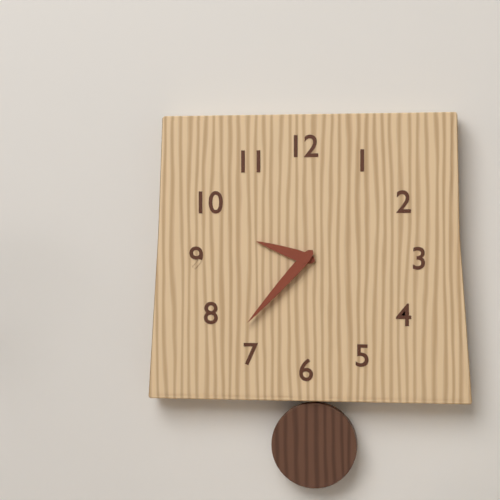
9:37
